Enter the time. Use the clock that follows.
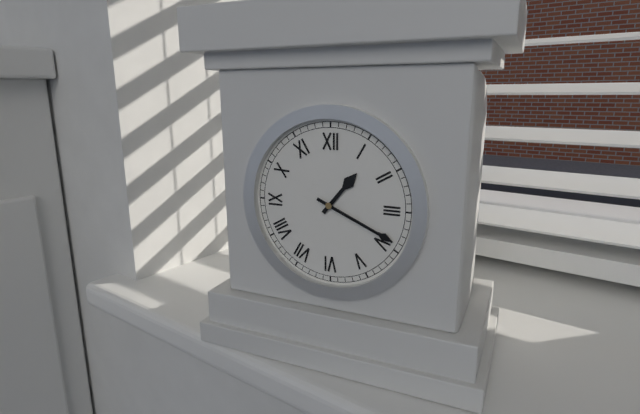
1:19
